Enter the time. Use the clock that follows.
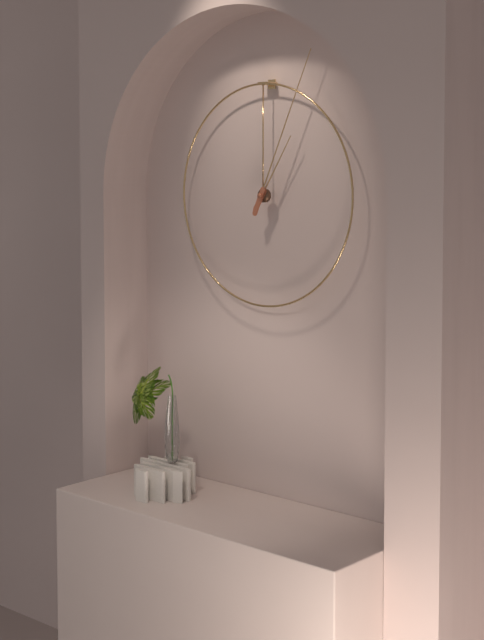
1:04
